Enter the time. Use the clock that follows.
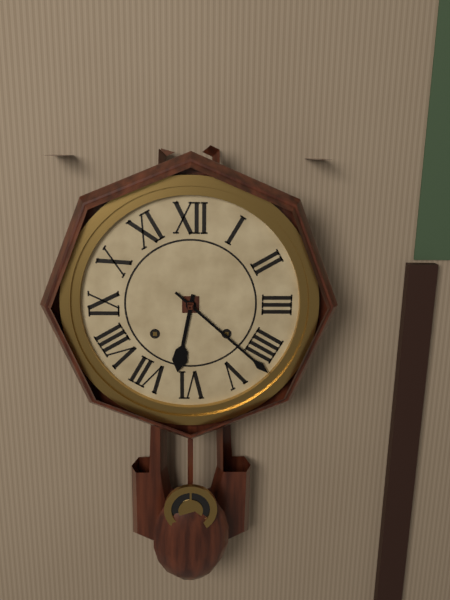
6:22
